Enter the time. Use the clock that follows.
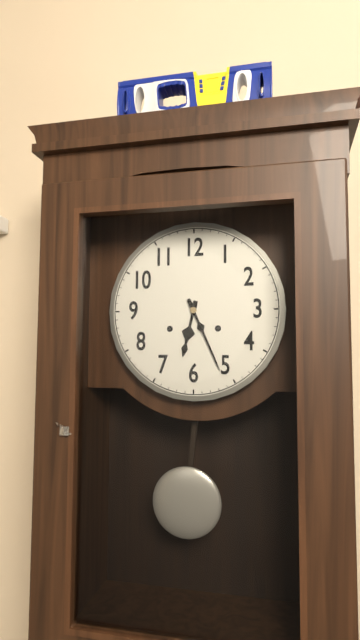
6:26
